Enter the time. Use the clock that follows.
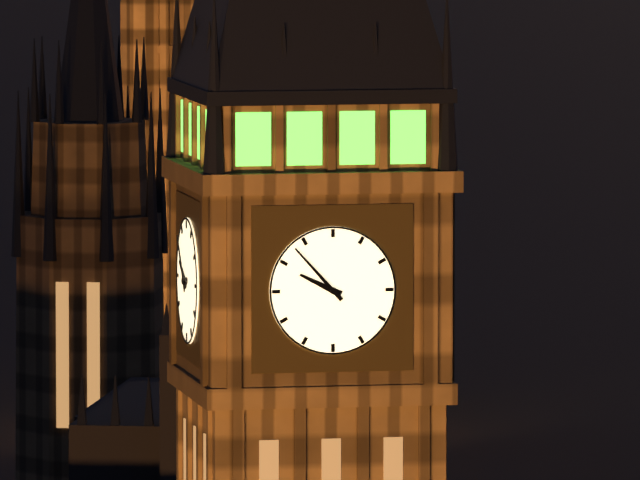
9:53
